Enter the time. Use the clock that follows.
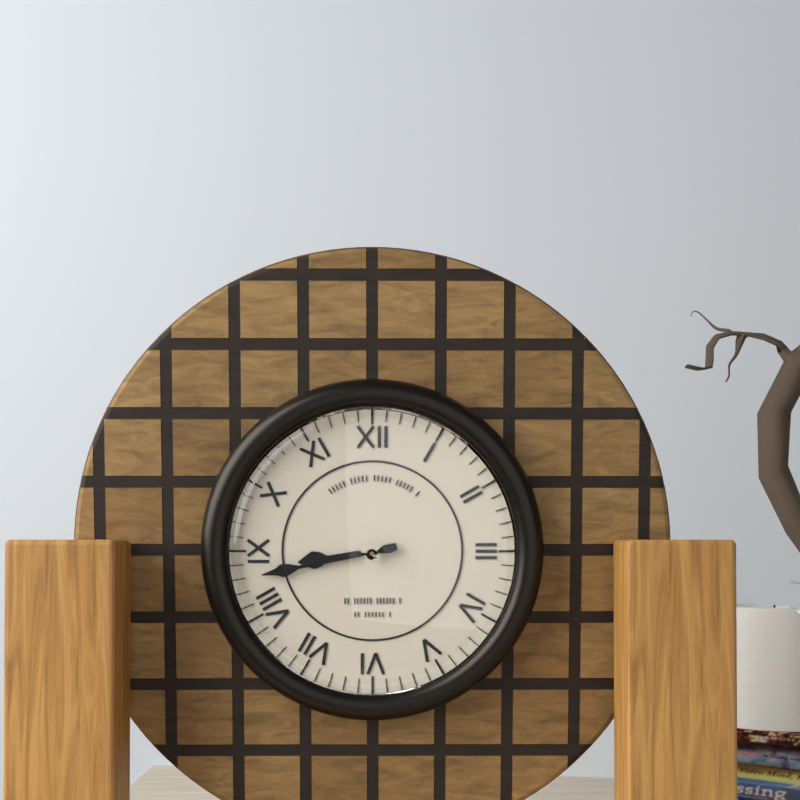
8:43
